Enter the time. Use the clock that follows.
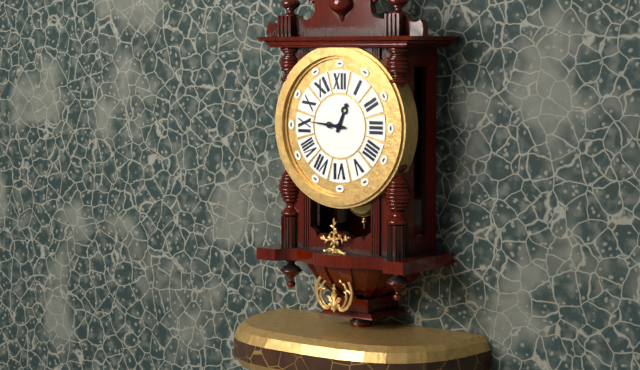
12:46
